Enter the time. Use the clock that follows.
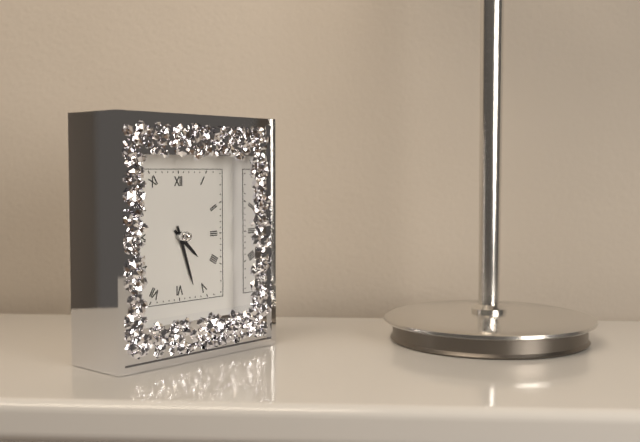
4:27
